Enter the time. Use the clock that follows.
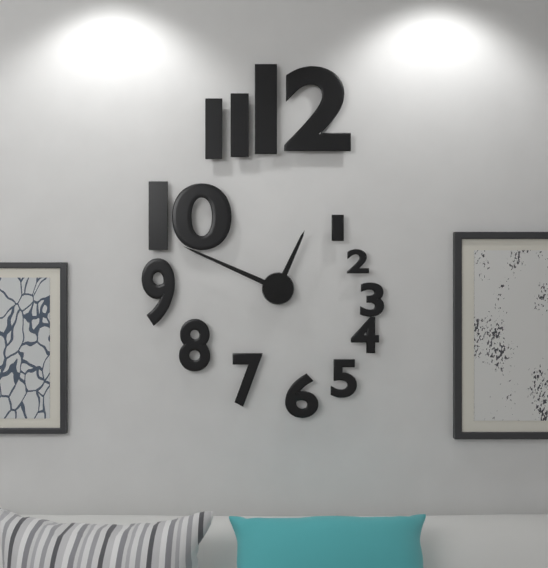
12:49
